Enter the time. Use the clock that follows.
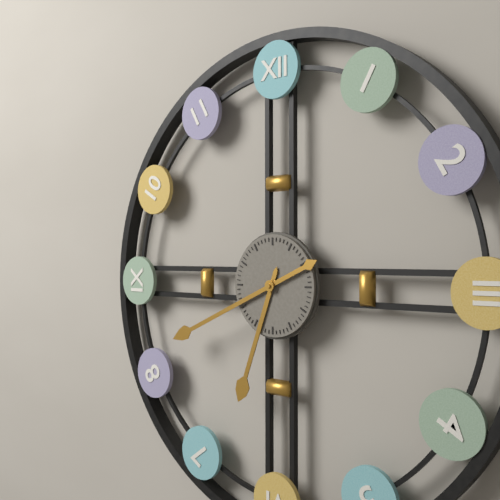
6:41
